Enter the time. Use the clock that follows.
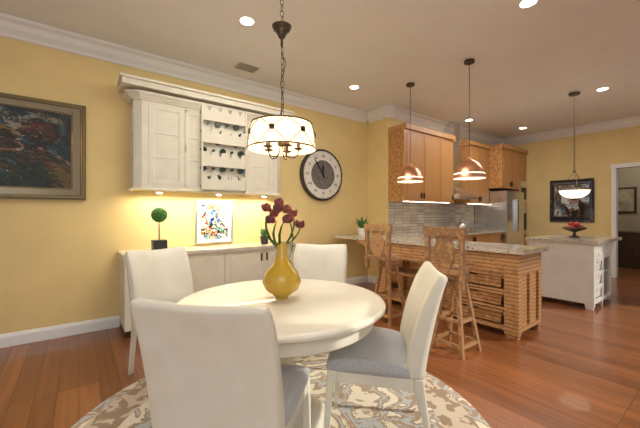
11:54
